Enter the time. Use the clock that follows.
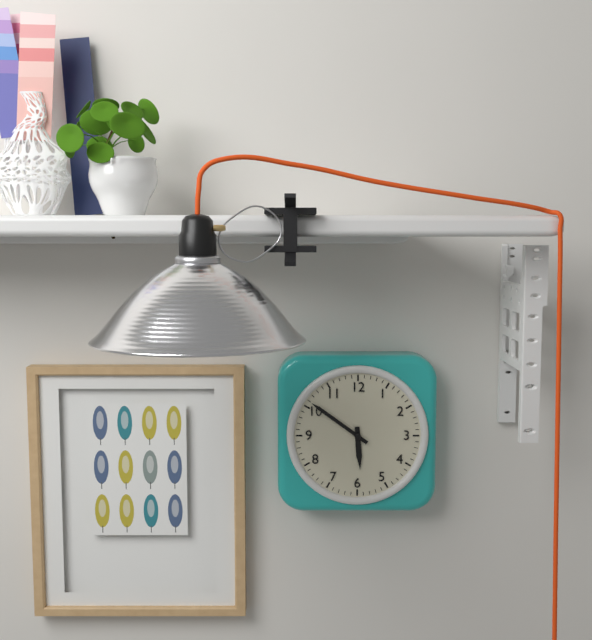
5:51
